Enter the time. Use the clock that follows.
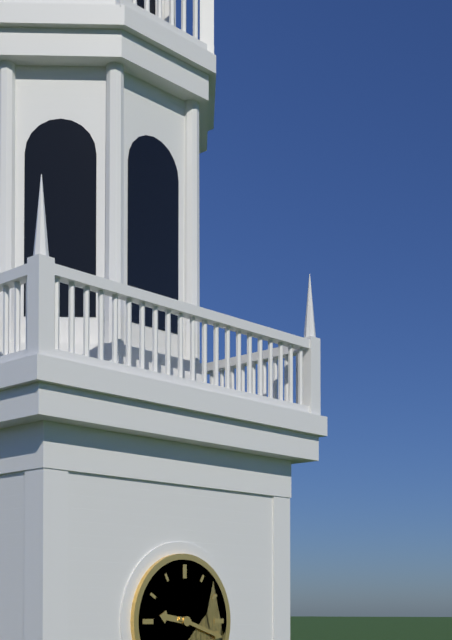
9:18
